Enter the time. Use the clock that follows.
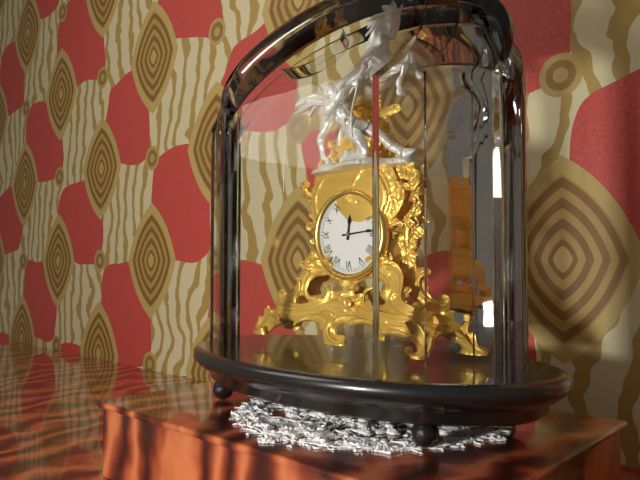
12:14
